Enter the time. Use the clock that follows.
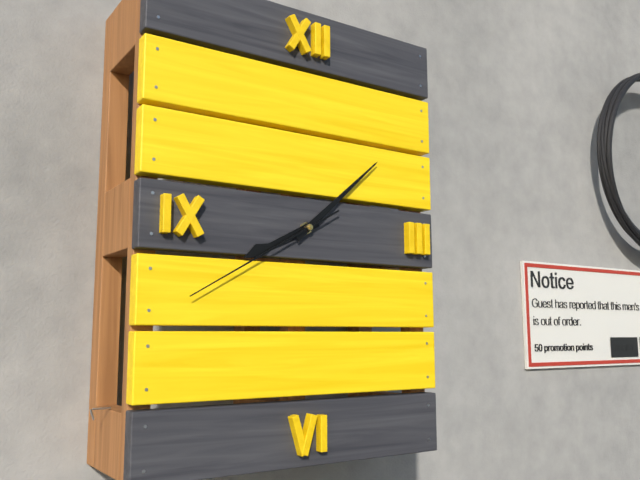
8:08:40
